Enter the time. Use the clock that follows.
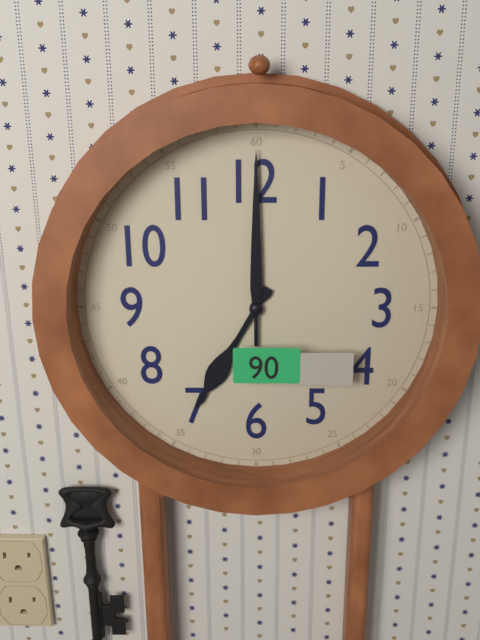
7:00
